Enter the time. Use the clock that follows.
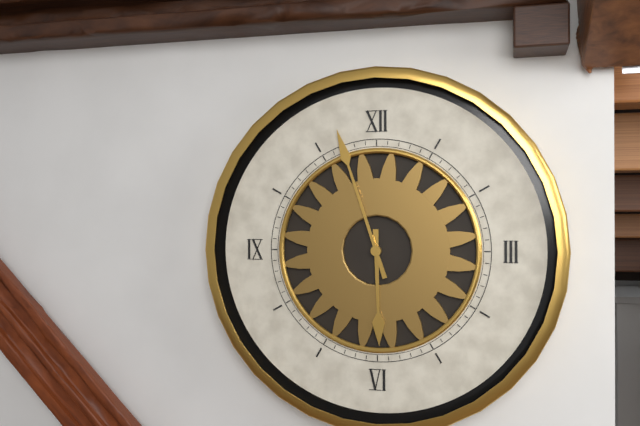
5:57
